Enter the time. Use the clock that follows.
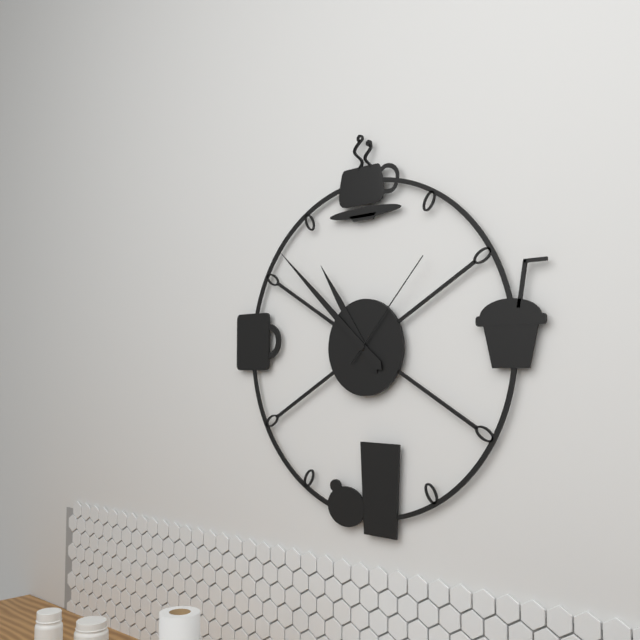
10:52:07
